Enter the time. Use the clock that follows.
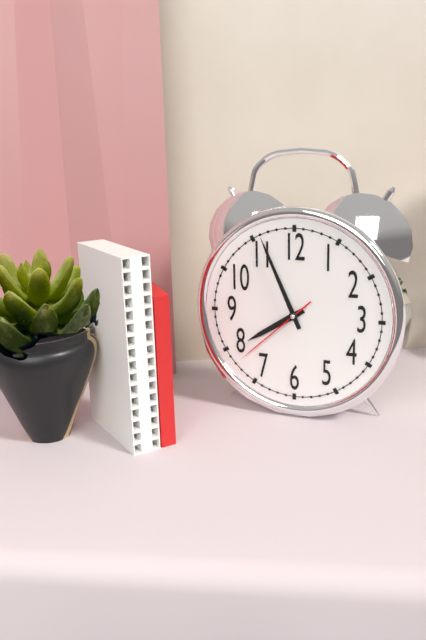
7:56:38
